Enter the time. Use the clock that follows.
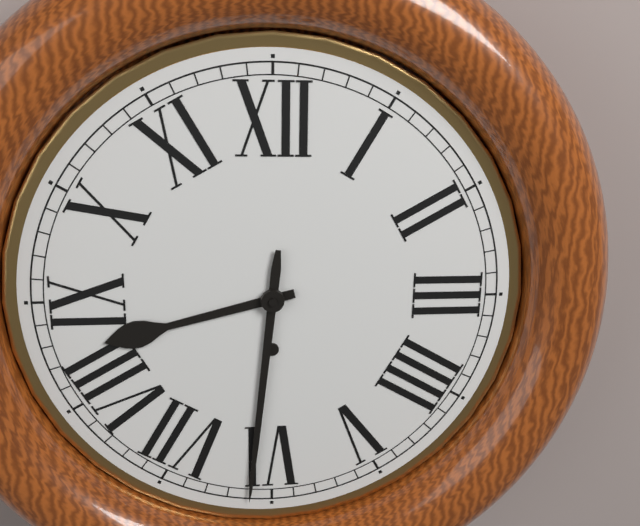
8:31
